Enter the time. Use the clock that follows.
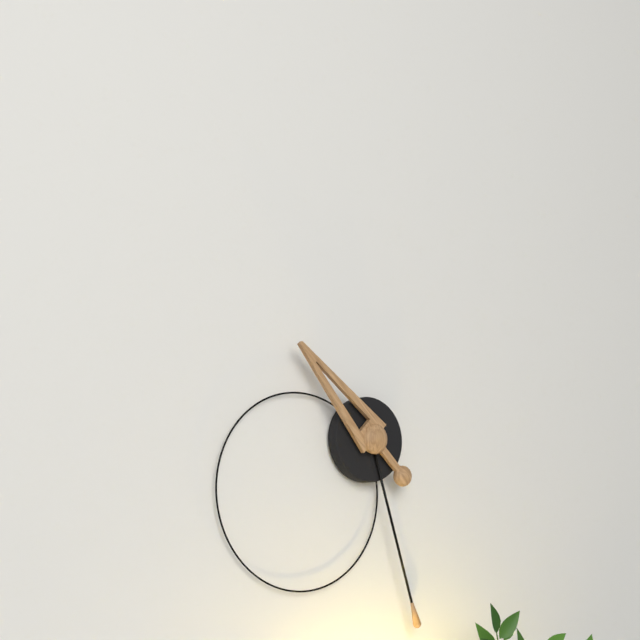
10:27
